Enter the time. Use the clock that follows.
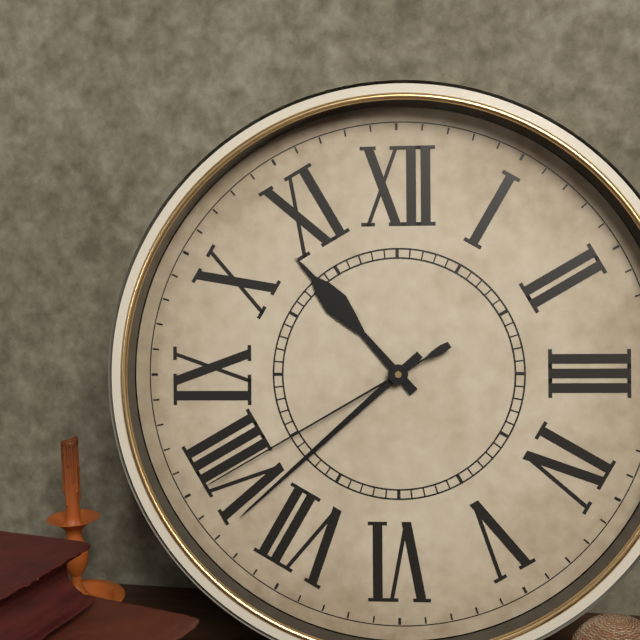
10:38:40
